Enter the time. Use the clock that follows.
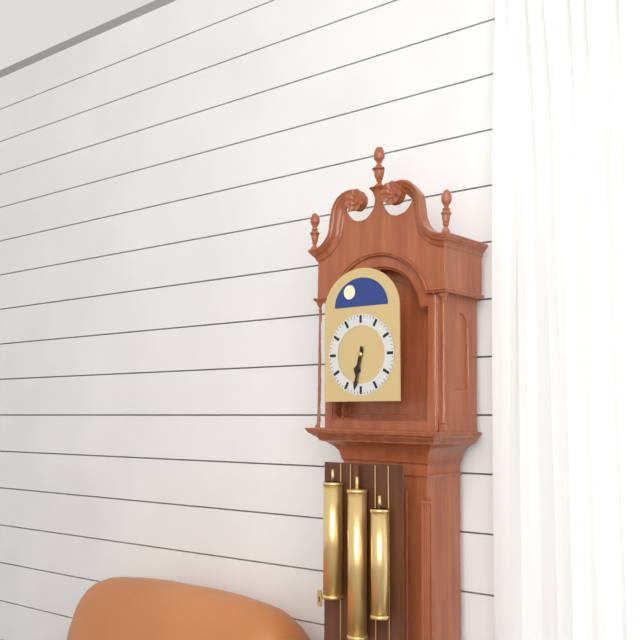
6:32
